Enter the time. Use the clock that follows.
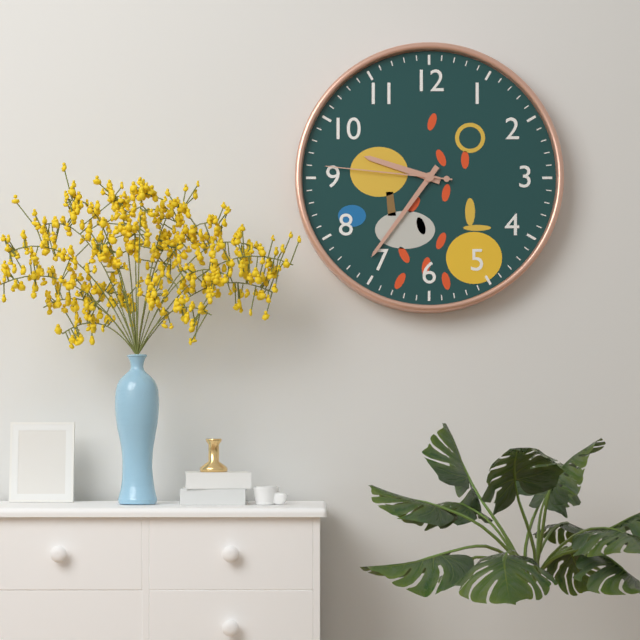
9:36:46
